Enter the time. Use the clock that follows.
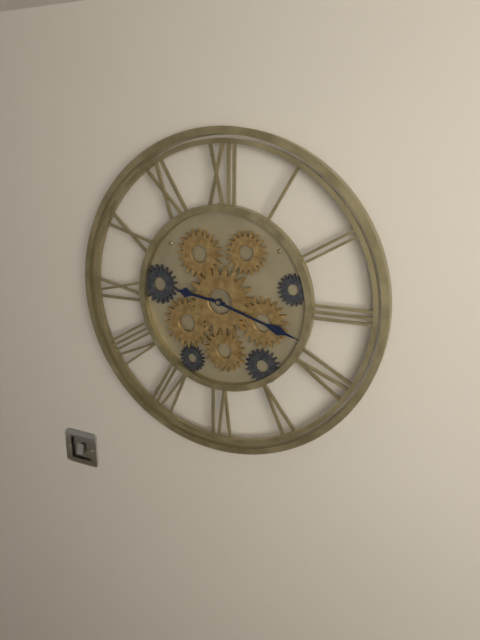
9:18
